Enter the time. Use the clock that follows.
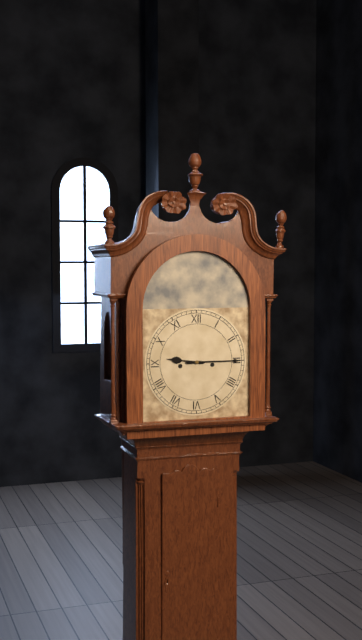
9:15
